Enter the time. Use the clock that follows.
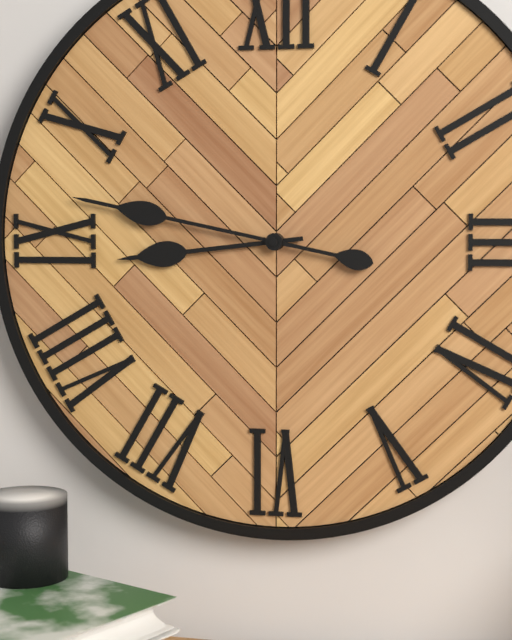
8:47
